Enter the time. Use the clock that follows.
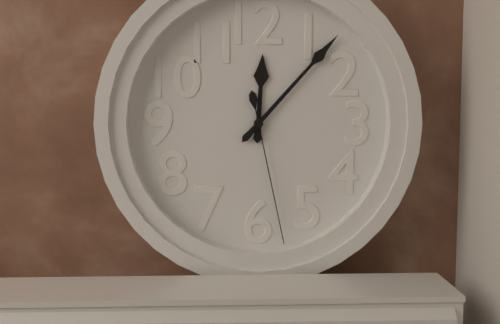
12:07:28
